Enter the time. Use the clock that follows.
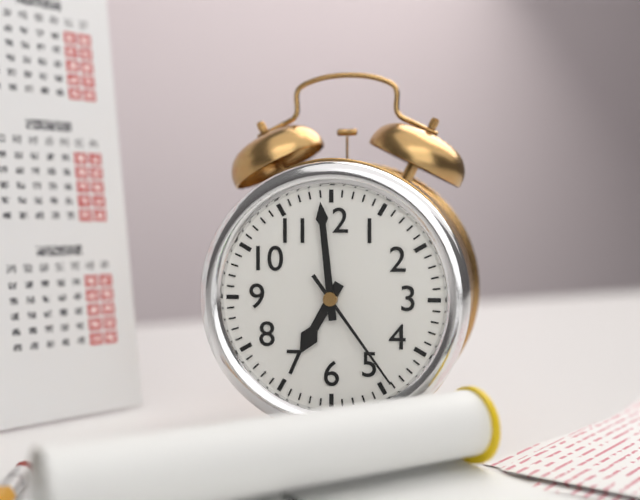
6:59:24
